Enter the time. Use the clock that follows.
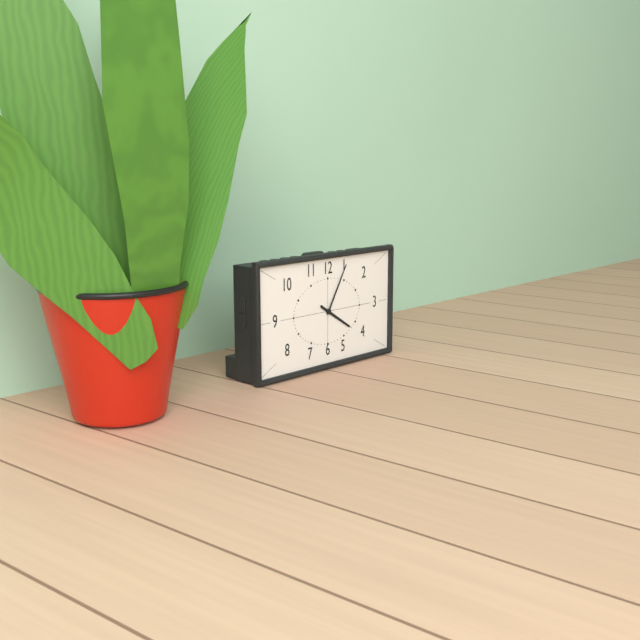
4:05
